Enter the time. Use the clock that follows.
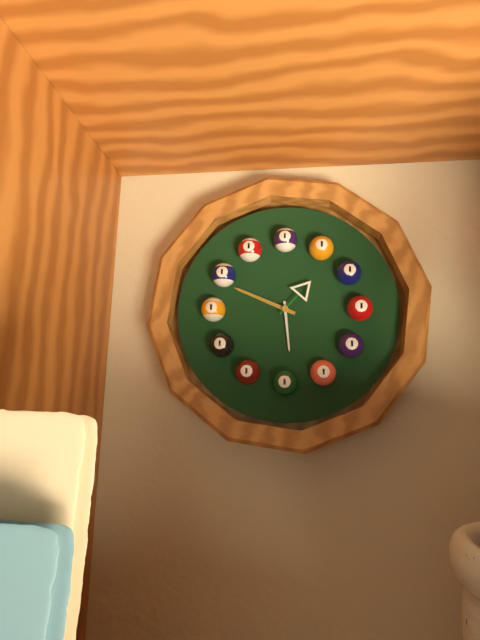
5:49:07
